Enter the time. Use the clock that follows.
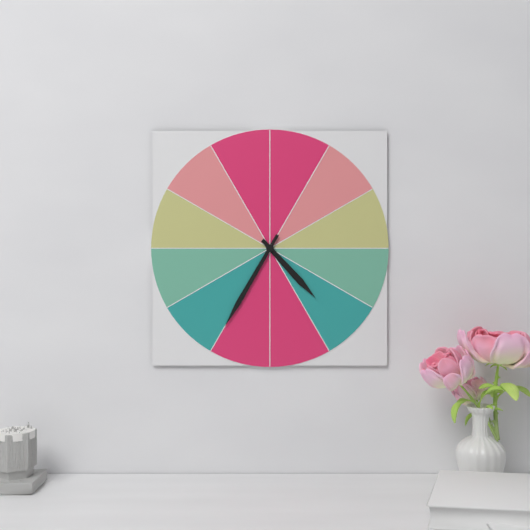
4:35
